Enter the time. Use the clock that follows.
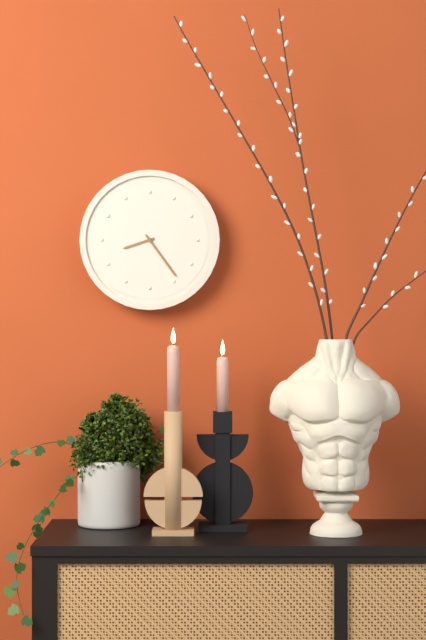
8:24
